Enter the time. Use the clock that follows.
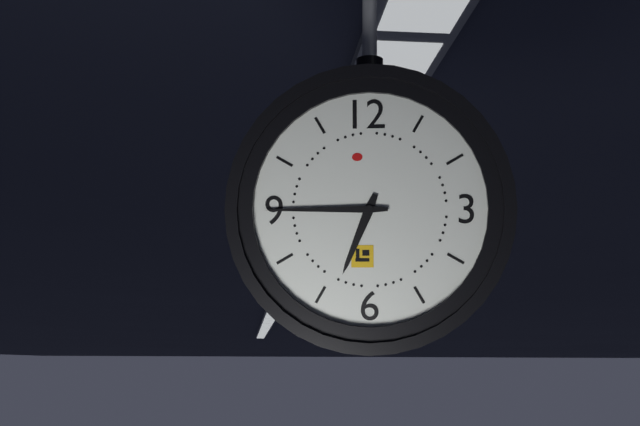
6:45
